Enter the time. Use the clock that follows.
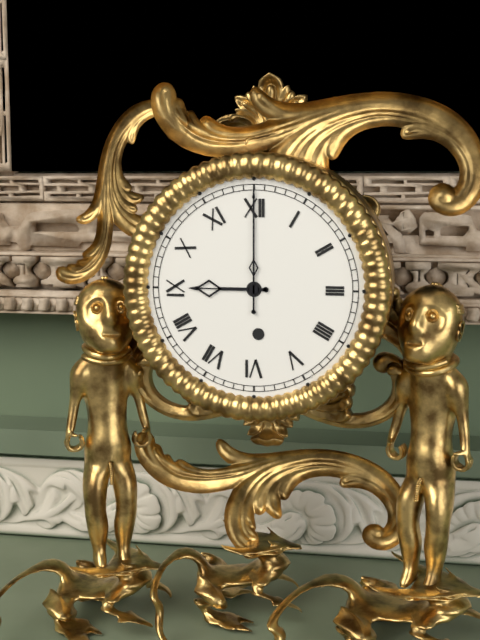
9:00
